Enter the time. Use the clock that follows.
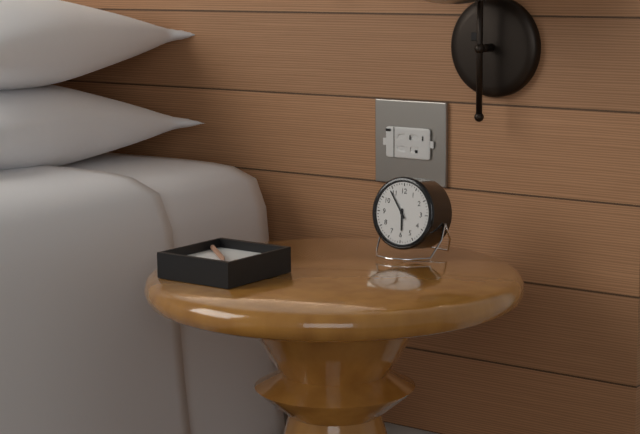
5:54
